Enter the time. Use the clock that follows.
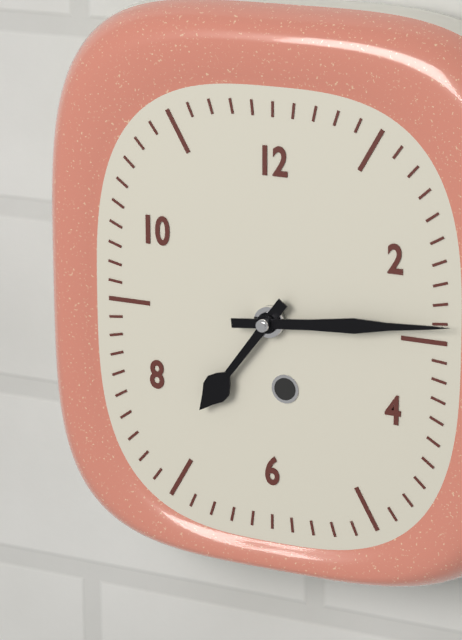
7:14
